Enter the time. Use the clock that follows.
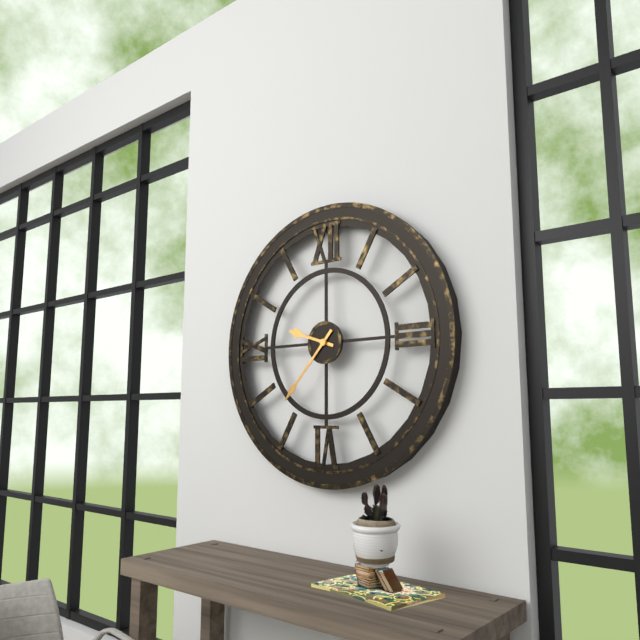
9:37
